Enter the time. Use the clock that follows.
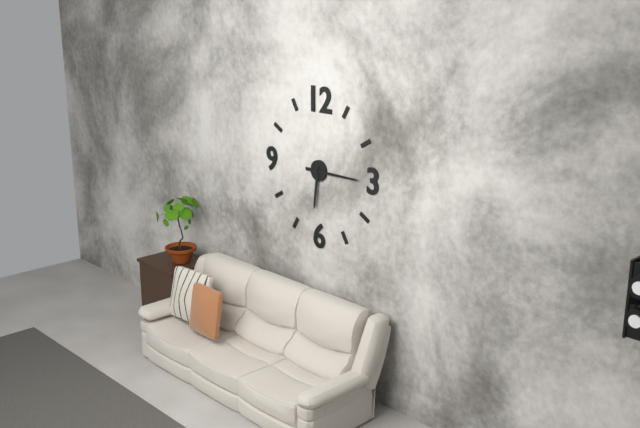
6:15
